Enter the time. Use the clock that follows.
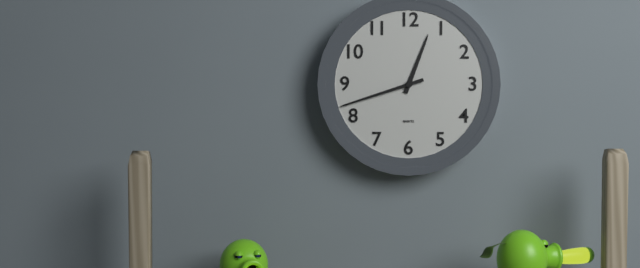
12:42
